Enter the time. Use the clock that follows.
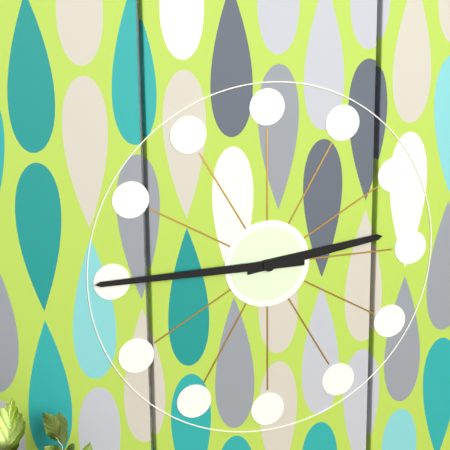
2:45
